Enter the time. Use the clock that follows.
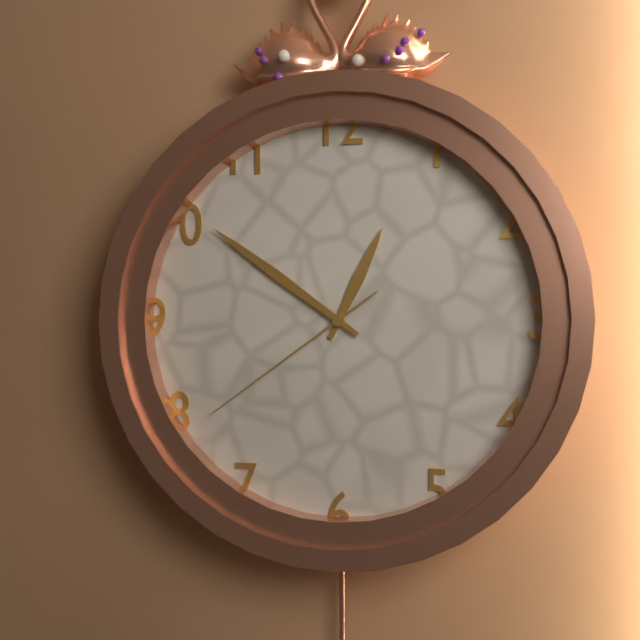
12:51:39
